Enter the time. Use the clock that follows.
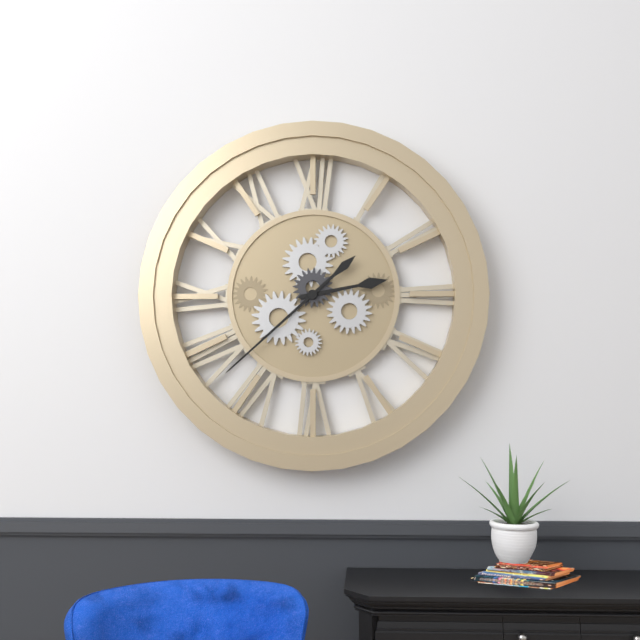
2:38
